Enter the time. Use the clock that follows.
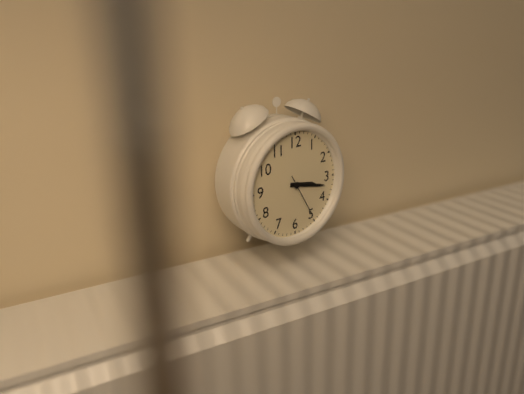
3:17
